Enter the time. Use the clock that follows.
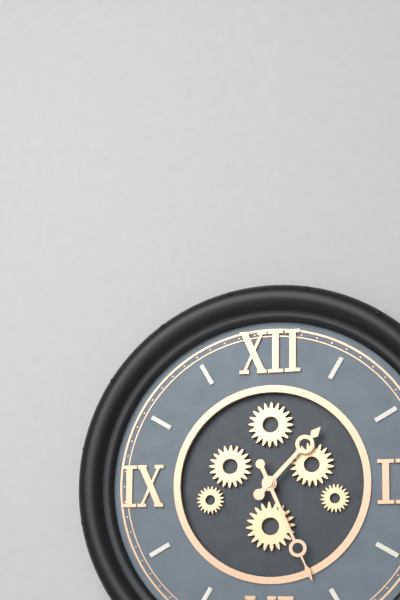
1:26
